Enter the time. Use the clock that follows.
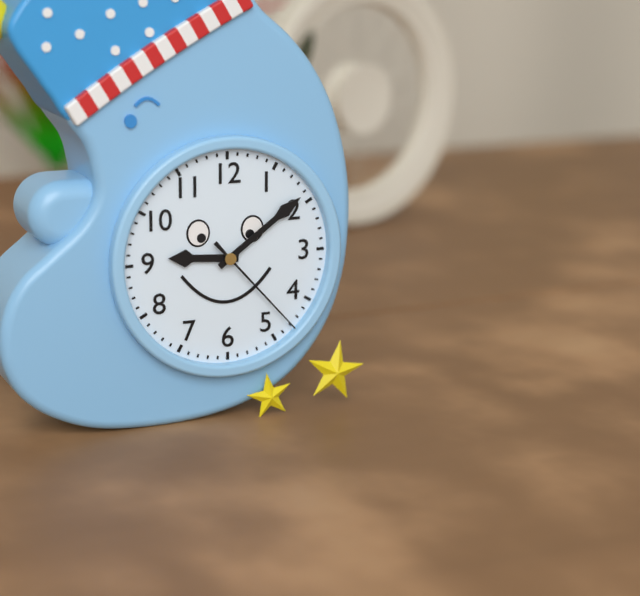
9:09:23
